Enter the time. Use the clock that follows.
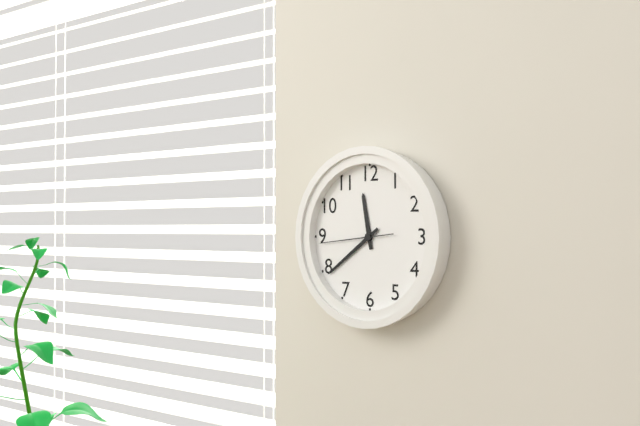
11:39:44
